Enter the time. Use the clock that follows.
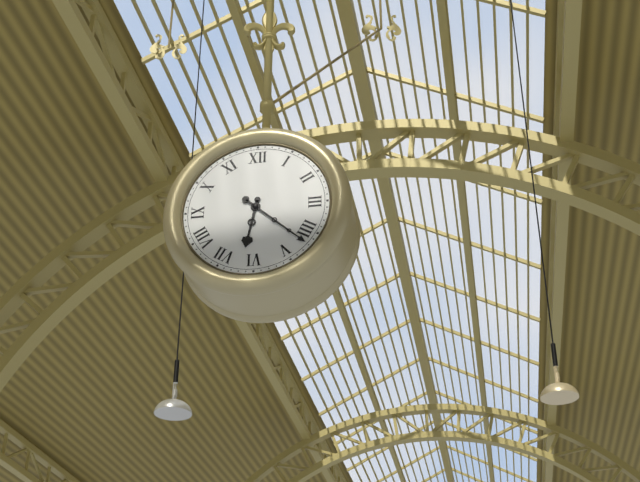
6:22
